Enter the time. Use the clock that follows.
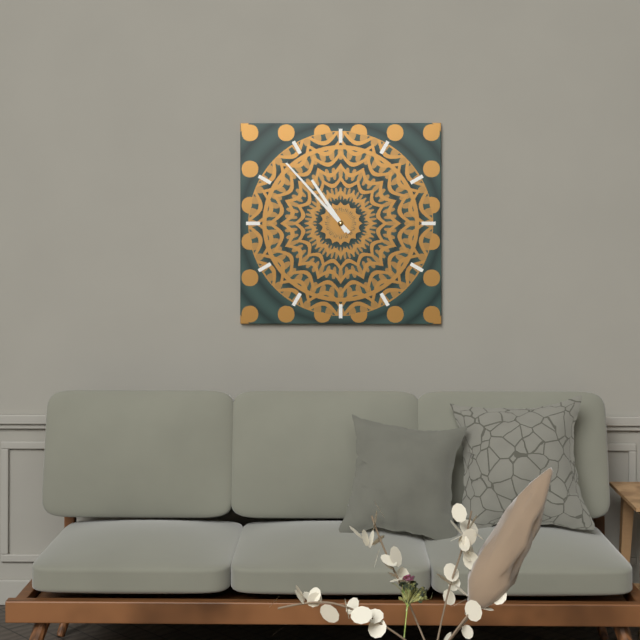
10:53
